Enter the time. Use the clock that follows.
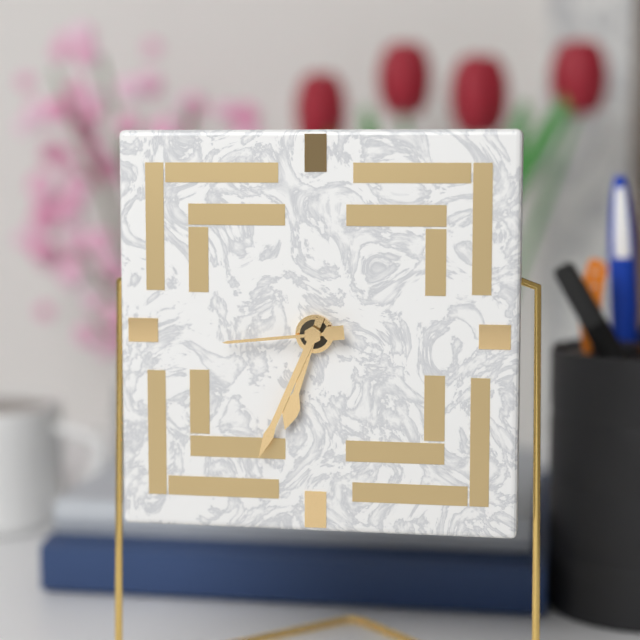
6:34:44
